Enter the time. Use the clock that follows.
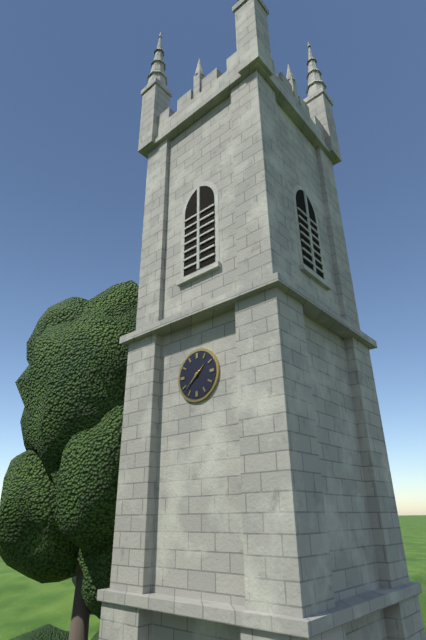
1:38
